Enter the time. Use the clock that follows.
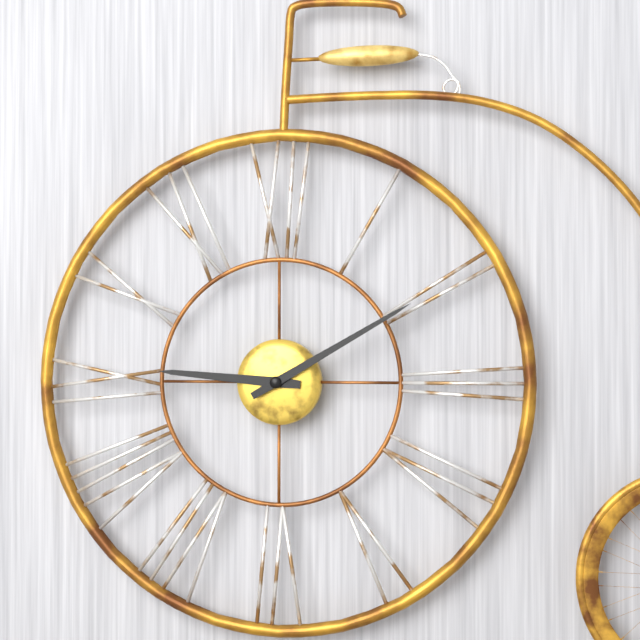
9:10
